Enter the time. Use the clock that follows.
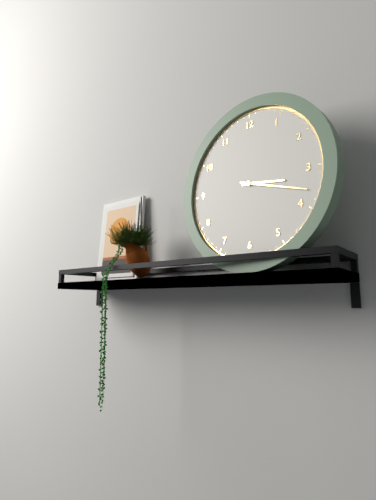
3:18
